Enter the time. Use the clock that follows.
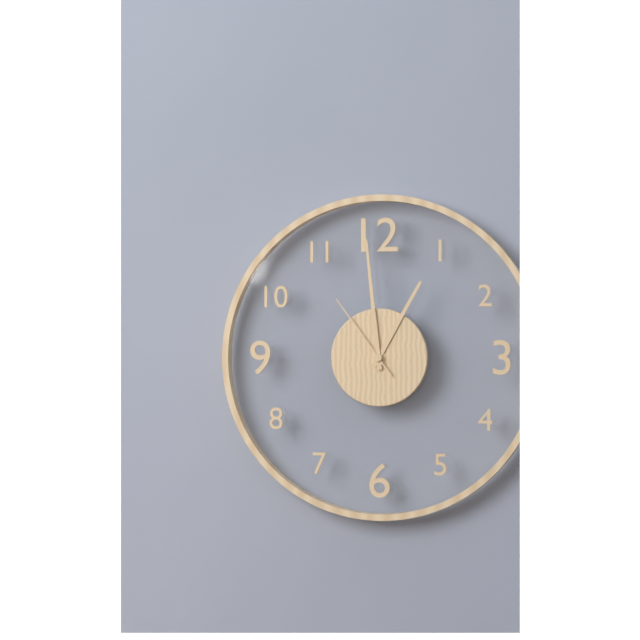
12:59:54
